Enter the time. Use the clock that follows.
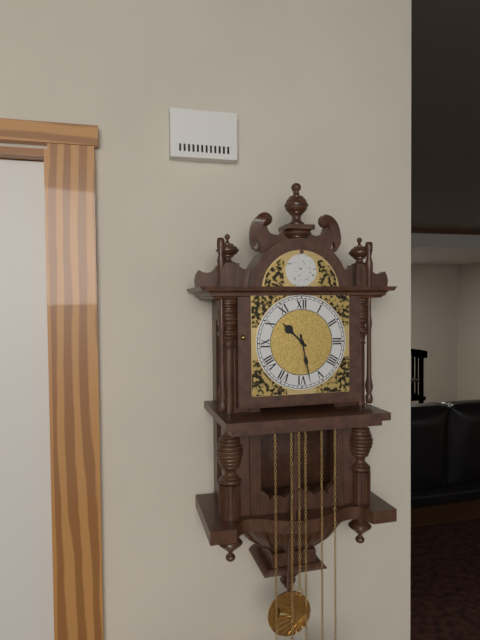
10:28
